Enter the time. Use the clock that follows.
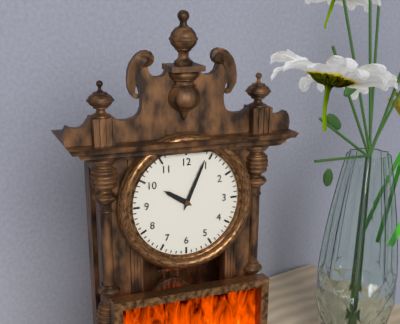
10:04
